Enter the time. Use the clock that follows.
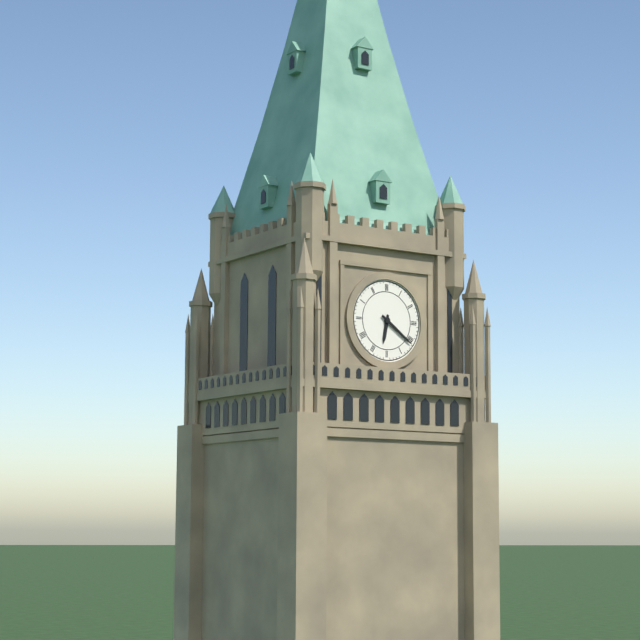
6:21
